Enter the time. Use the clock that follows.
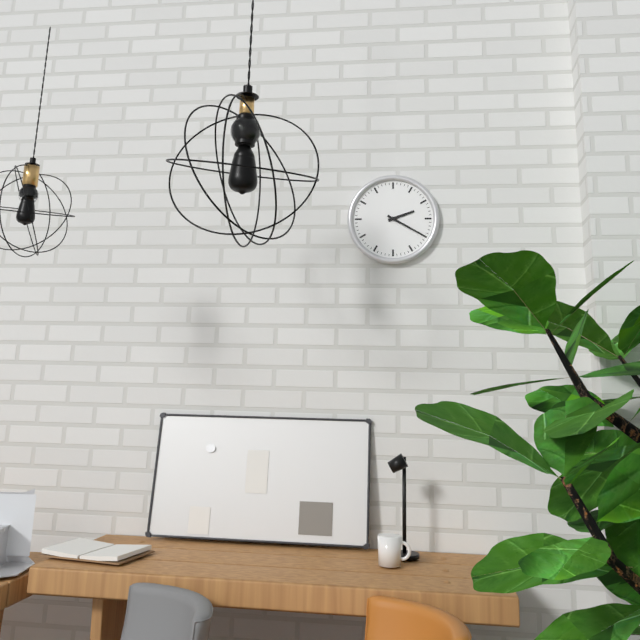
2:20
